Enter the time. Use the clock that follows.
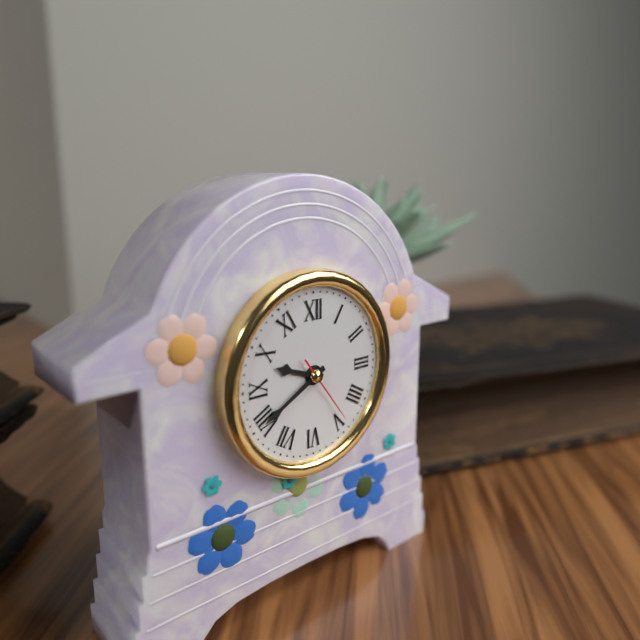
9:40:24
